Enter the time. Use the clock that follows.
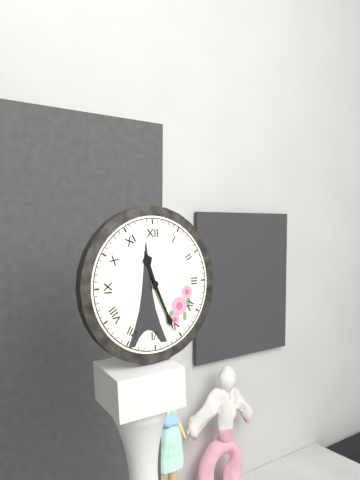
11:26
